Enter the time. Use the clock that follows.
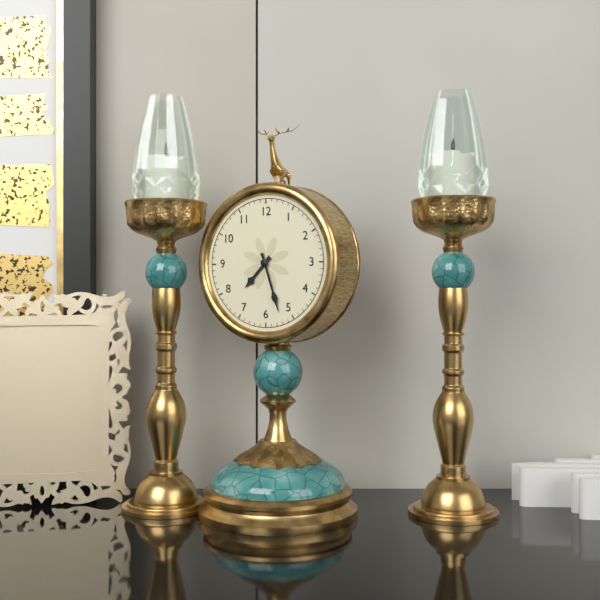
7:27
